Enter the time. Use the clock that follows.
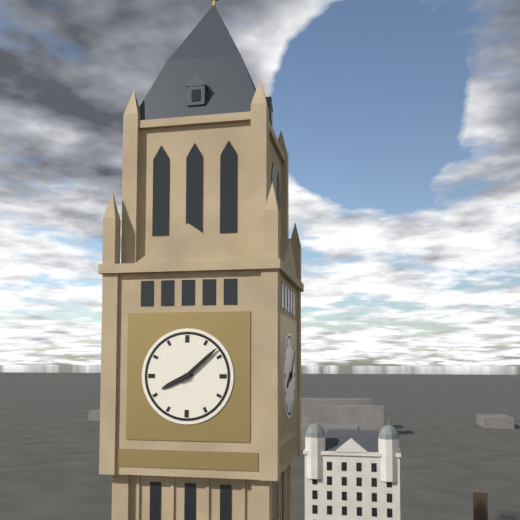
8:08
